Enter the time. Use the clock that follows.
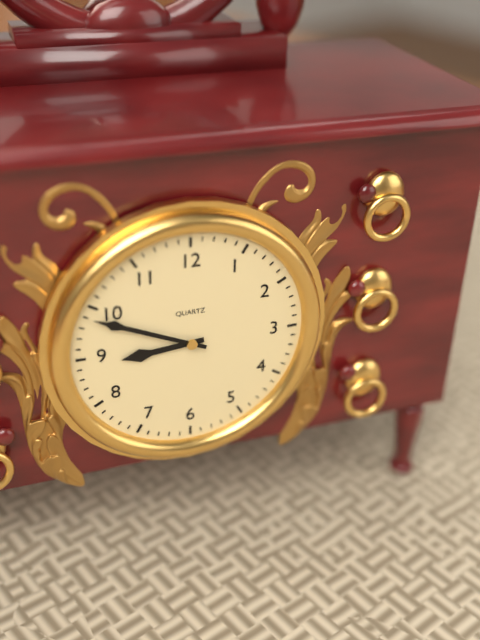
8:49
